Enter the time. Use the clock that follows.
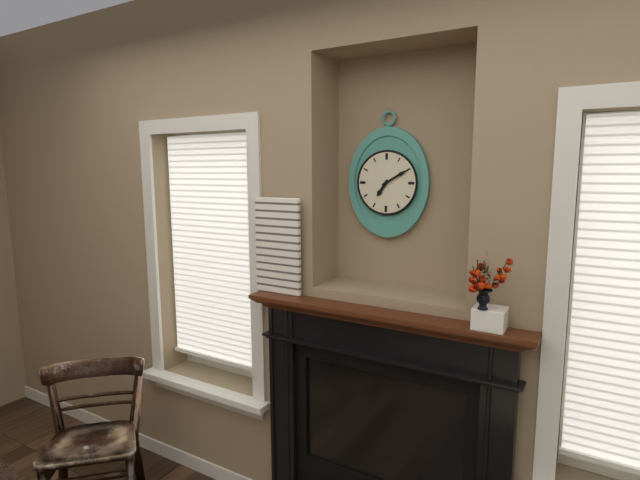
7:10
